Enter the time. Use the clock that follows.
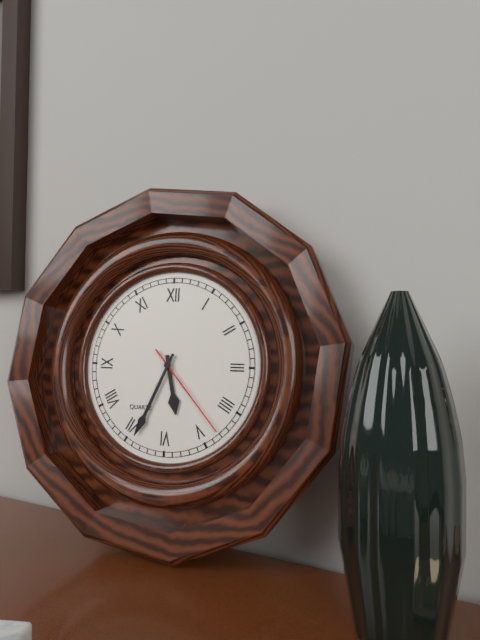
5:34:23
